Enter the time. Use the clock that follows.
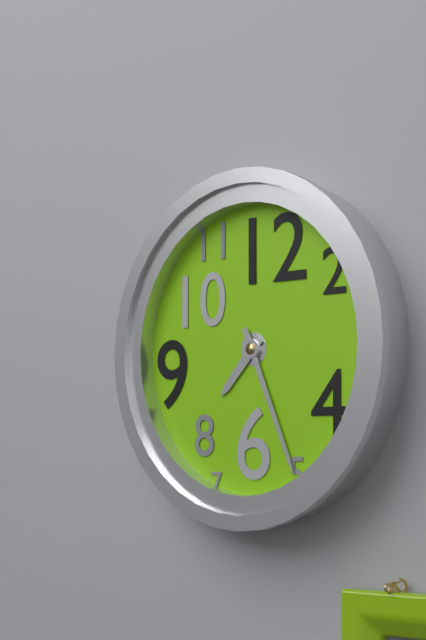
7:26
